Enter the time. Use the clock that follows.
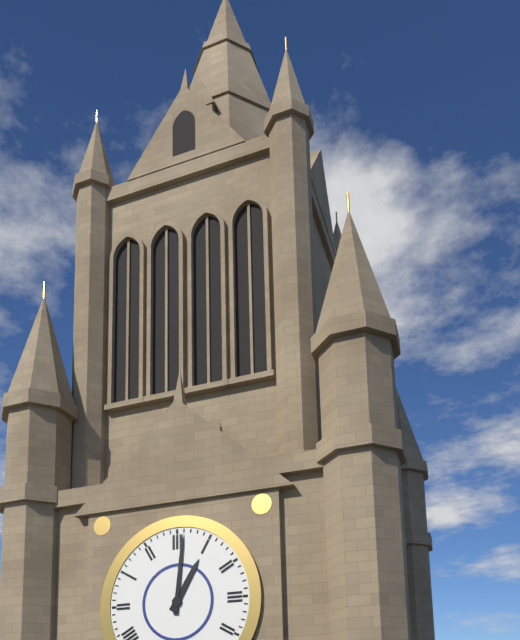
1:01
